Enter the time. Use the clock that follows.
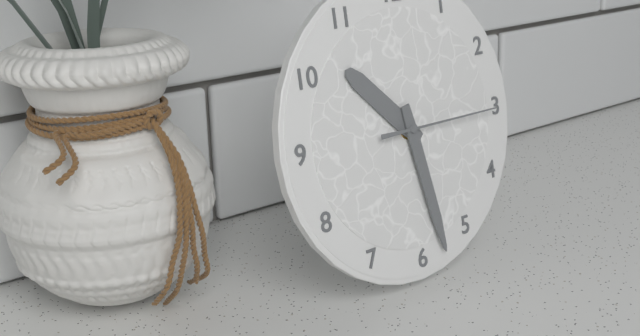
10:28:15
